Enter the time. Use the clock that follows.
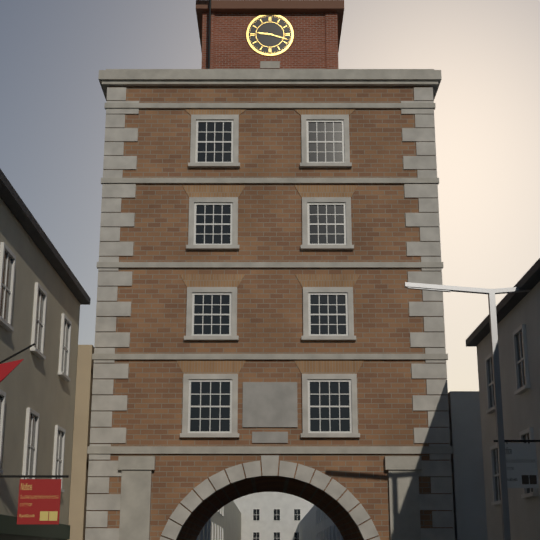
9:18
